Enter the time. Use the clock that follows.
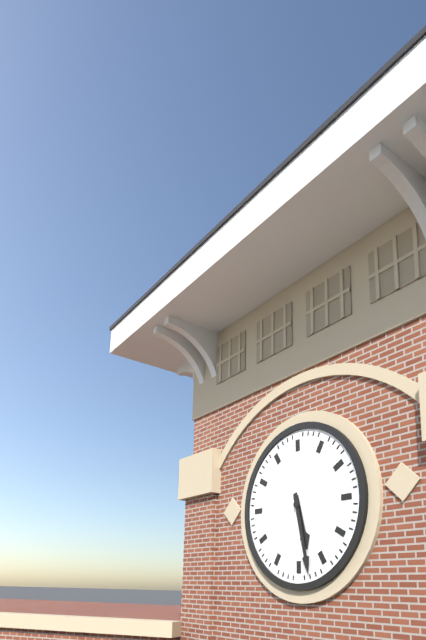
5:28
